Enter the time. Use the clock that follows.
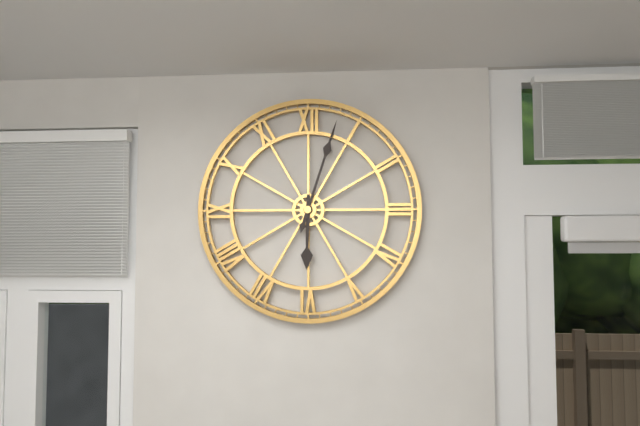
6:03
